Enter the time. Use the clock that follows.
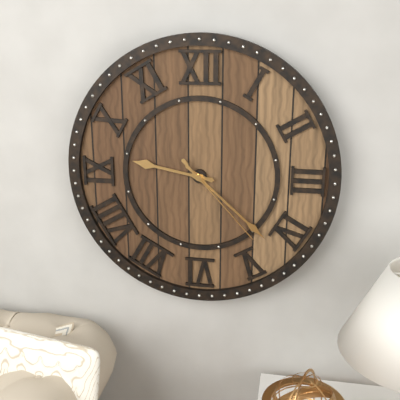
9:22:23
